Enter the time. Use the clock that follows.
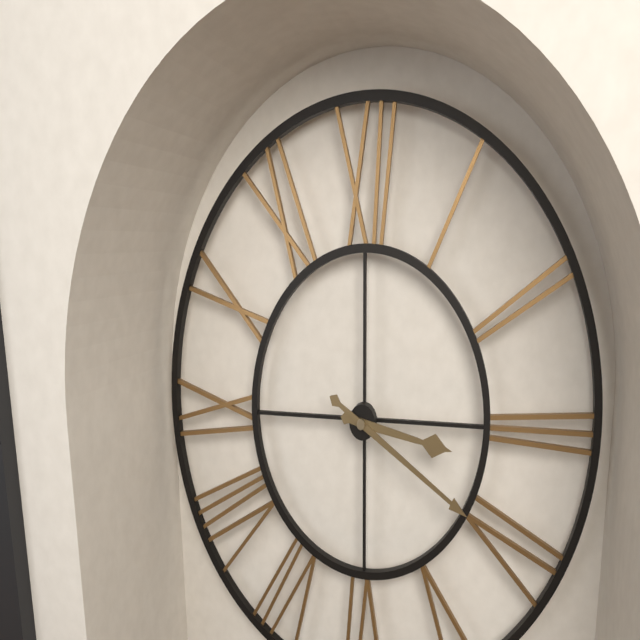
3:20
